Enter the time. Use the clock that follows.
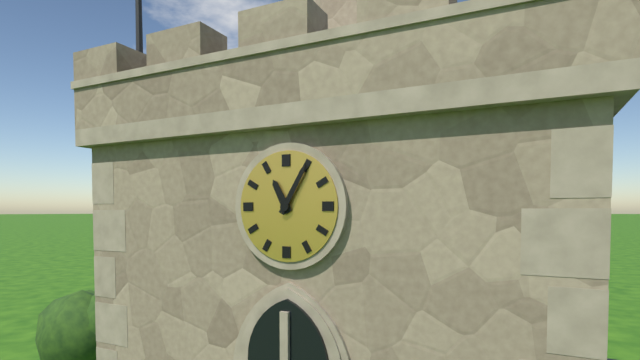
11:05
